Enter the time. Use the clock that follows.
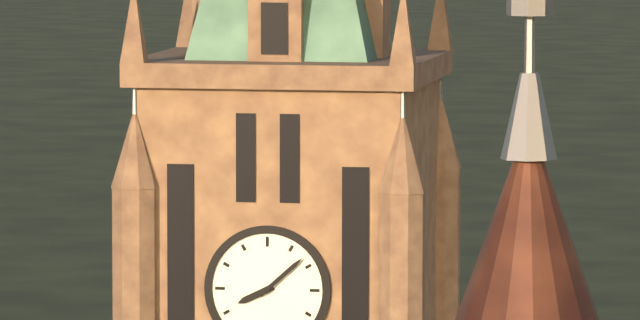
8:08
